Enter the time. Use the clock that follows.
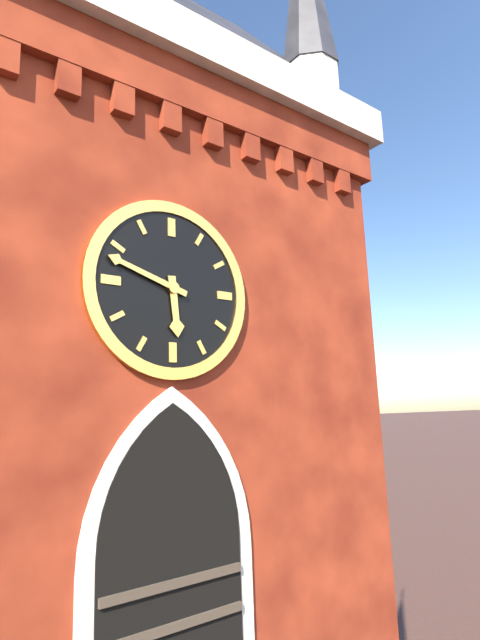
5:48
